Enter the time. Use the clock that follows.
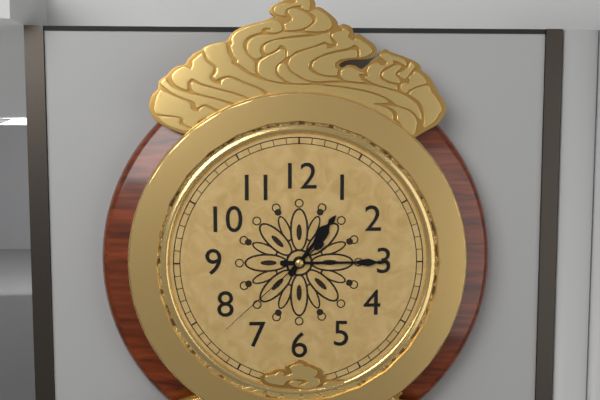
1:15:38
